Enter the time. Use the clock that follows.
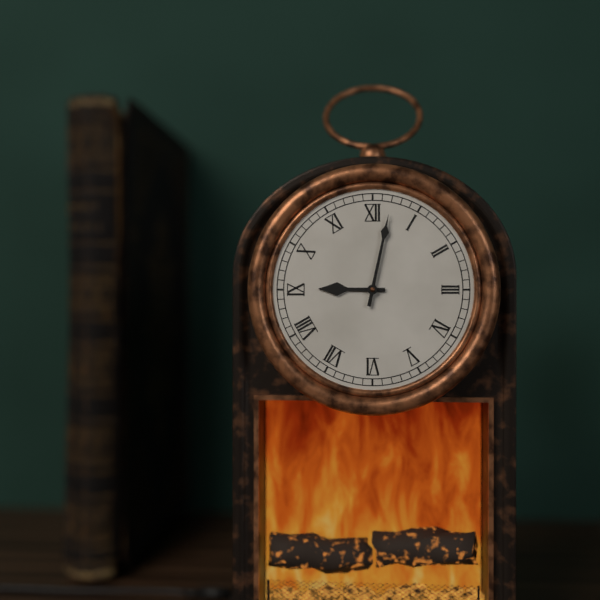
9:02
